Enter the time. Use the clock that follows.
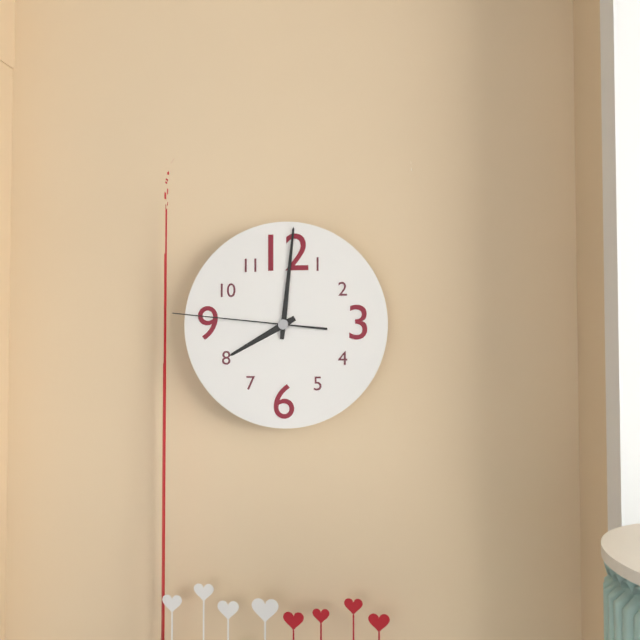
8:01:46
